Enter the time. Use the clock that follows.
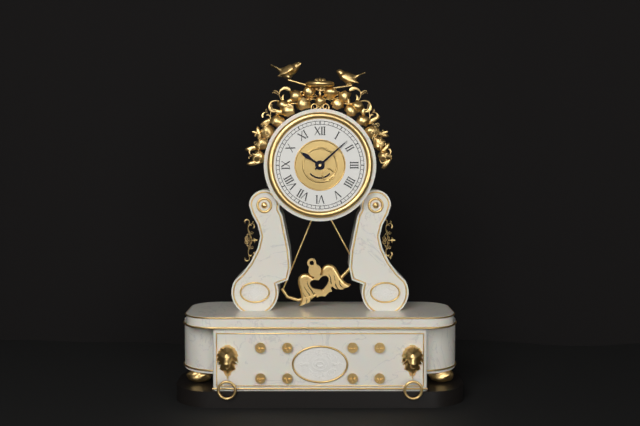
10:08
